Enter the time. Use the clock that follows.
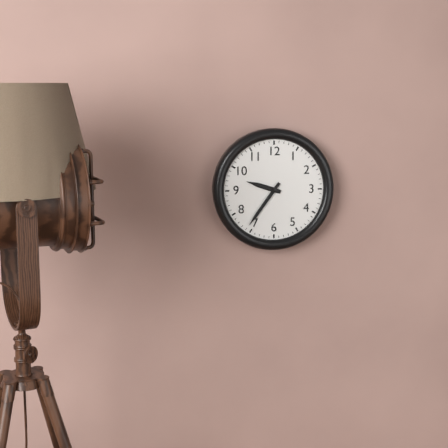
9:36
